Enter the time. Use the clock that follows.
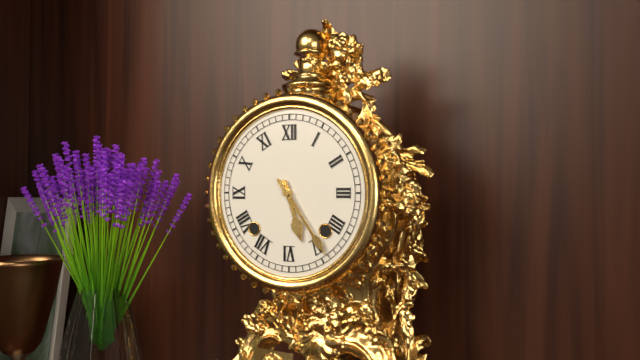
5:24
